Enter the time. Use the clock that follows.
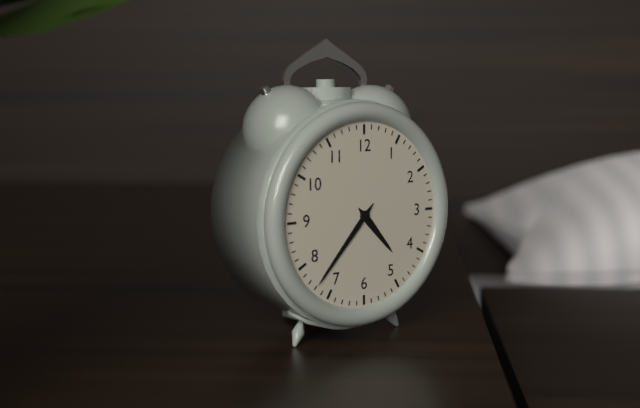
4:37
